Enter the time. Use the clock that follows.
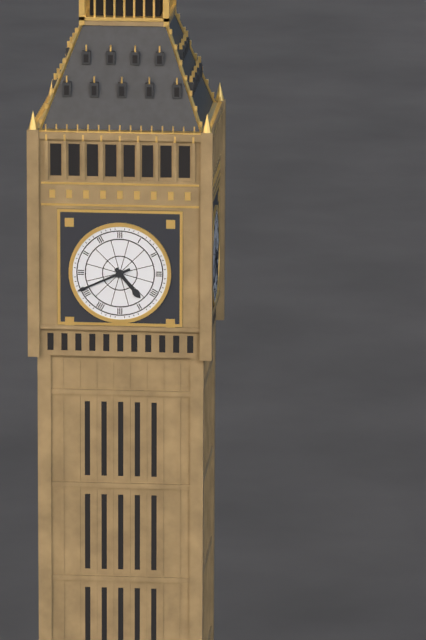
4:41
